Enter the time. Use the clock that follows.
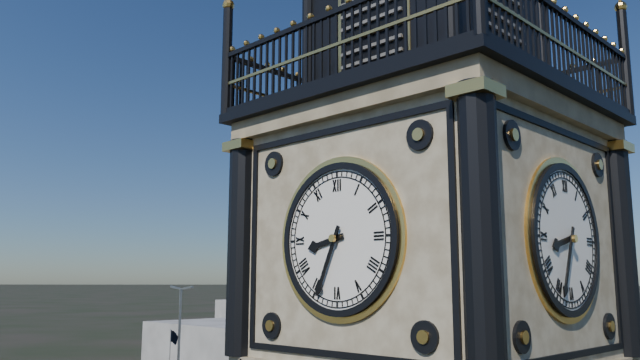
8:34
